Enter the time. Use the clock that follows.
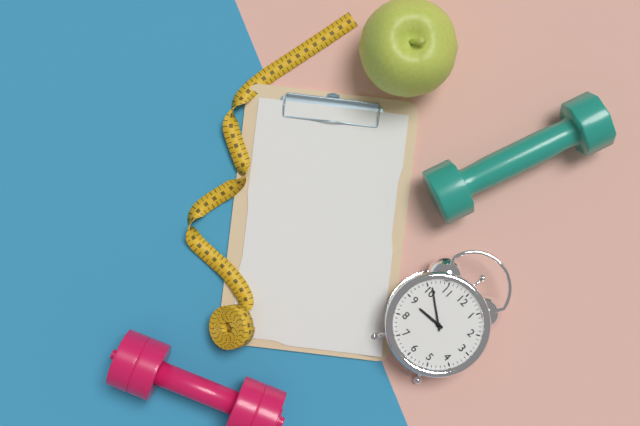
8:51
